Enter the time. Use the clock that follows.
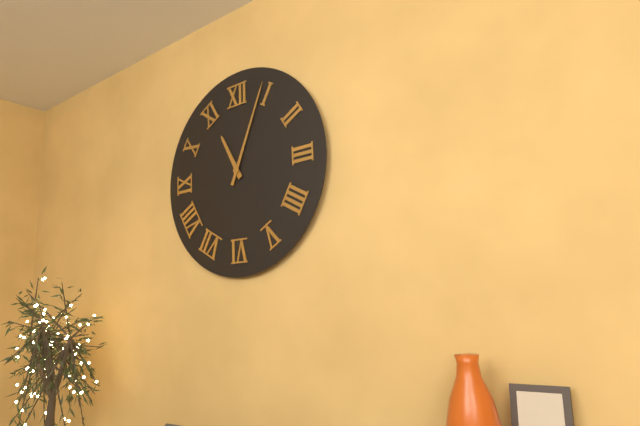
11:04
